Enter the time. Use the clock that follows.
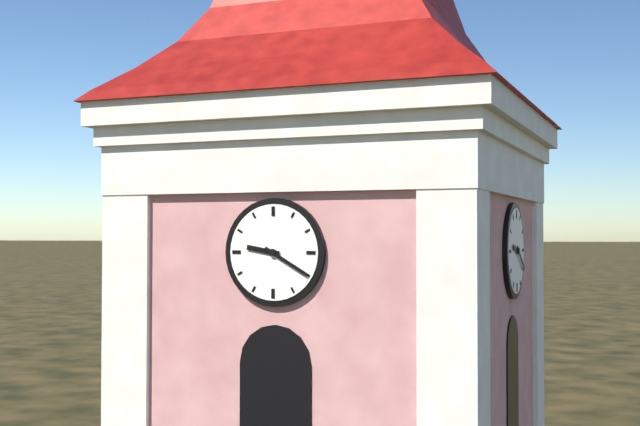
9:20
